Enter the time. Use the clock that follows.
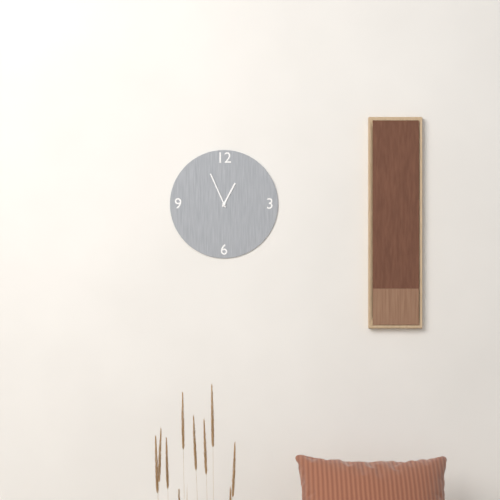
12:56
